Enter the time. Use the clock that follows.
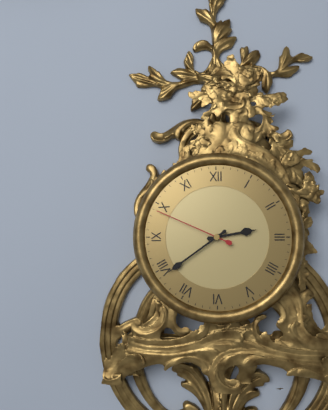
2:39:49
